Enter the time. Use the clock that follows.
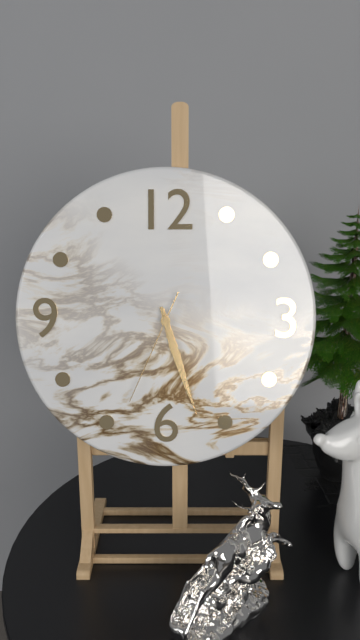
5:27:34
